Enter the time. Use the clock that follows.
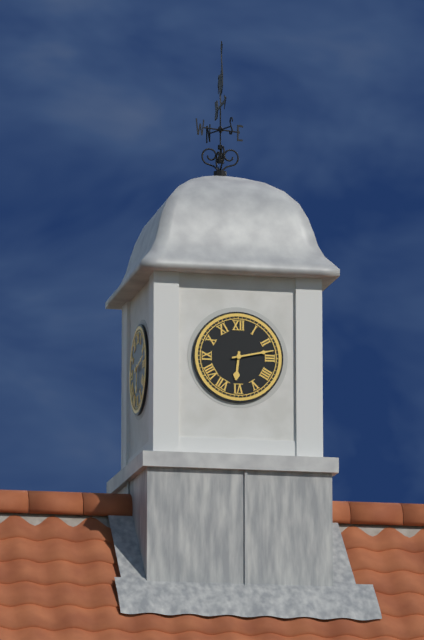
6:13
